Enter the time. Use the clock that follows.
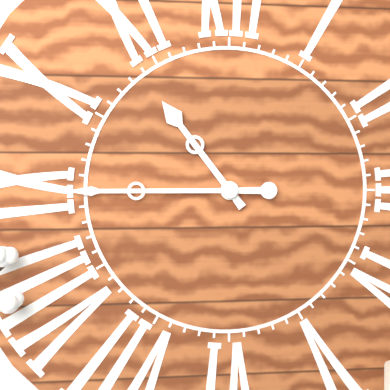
10:45
